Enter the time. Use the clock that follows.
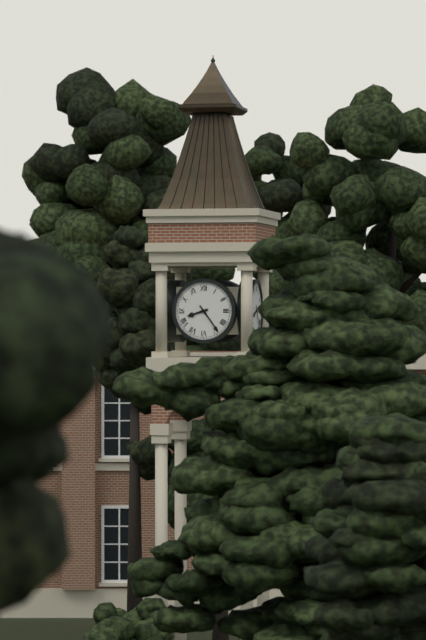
8:24
